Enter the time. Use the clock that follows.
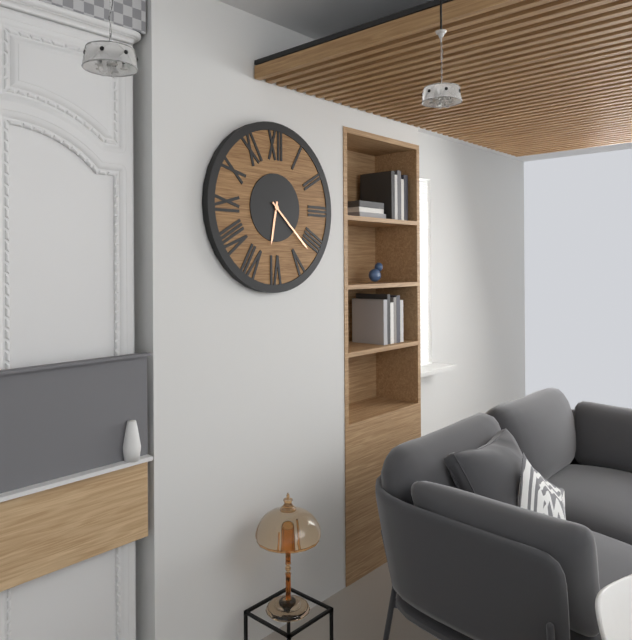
6:22
